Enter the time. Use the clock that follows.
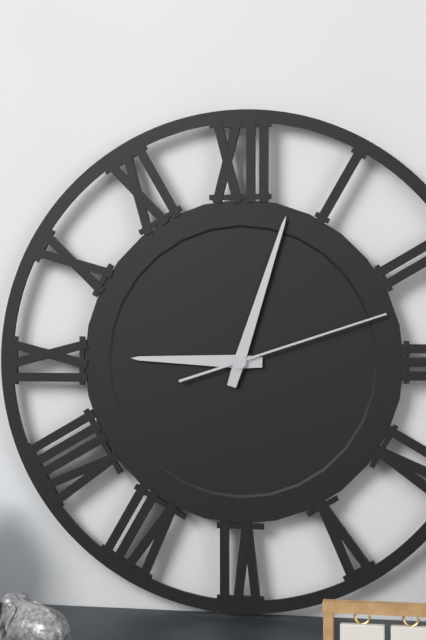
9:03:12
